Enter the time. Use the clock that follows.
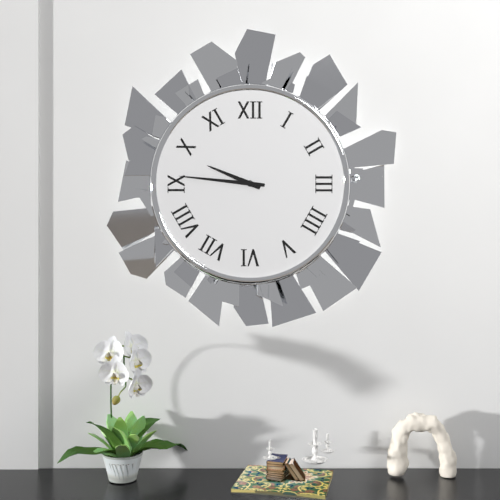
9:46
